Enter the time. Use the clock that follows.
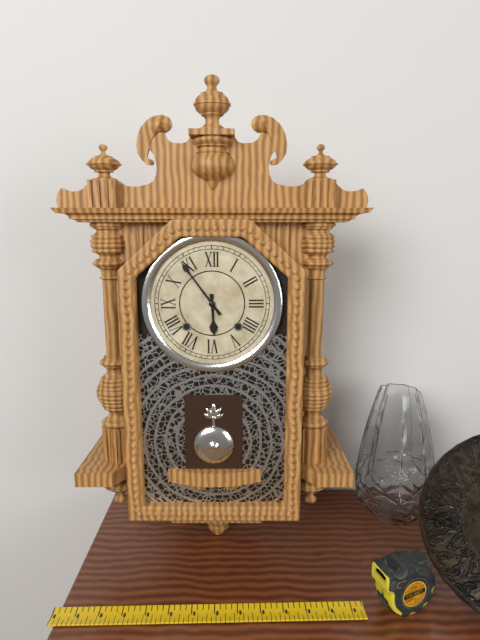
5:54
